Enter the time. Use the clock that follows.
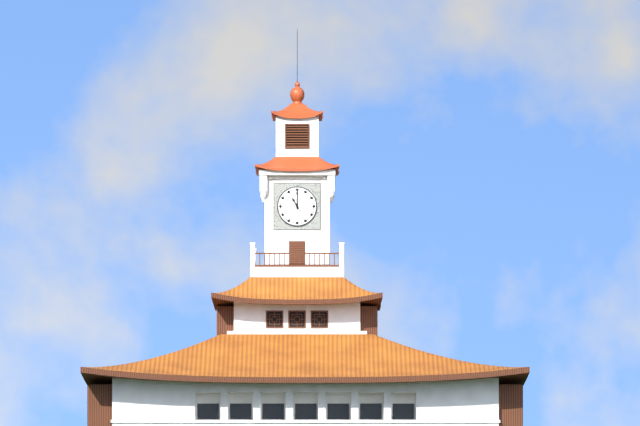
11:00
